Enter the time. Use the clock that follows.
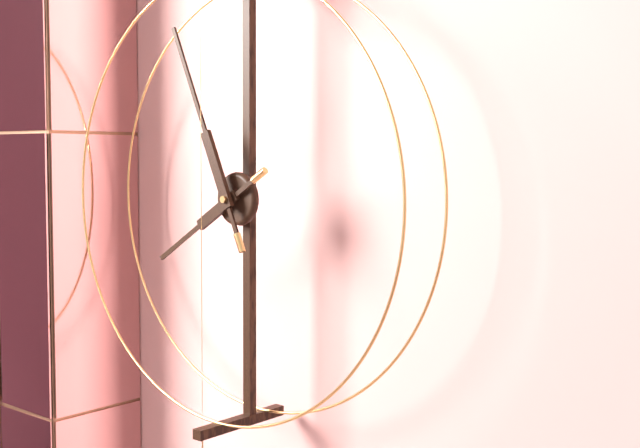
7:56
